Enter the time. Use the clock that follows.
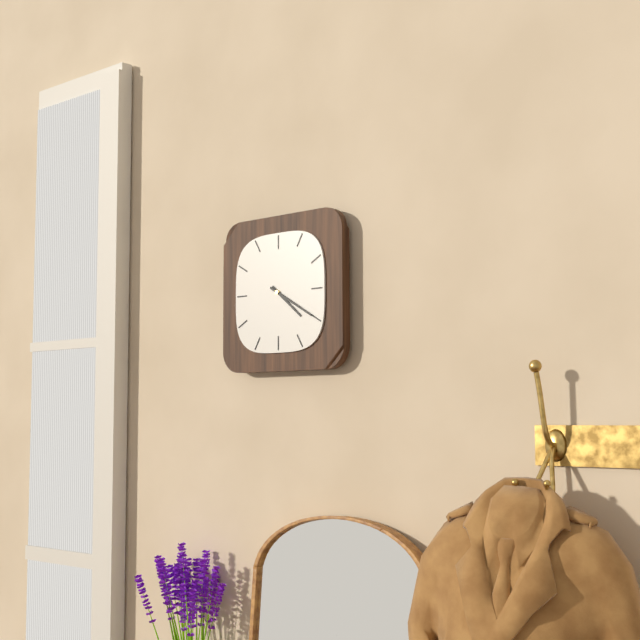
4:20
